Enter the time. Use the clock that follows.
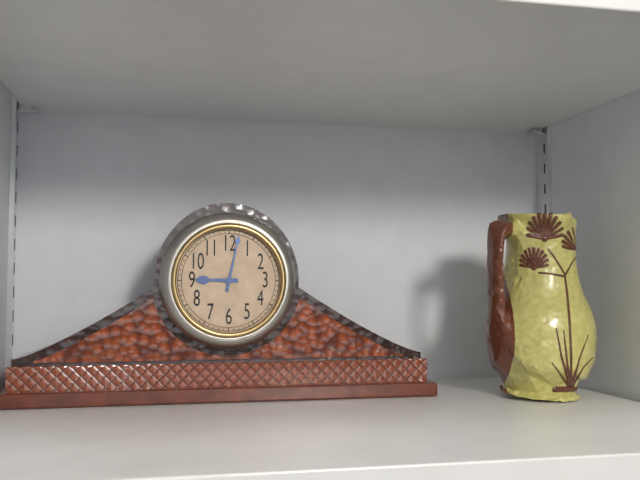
9:02
